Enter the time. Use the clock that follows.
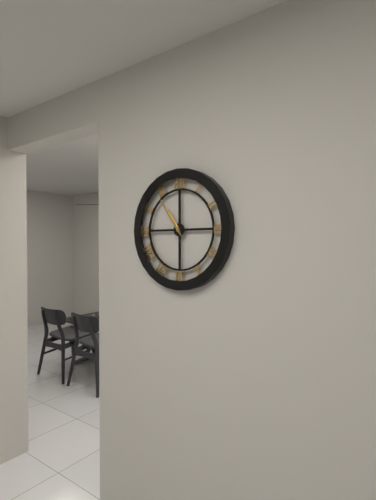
10:54
